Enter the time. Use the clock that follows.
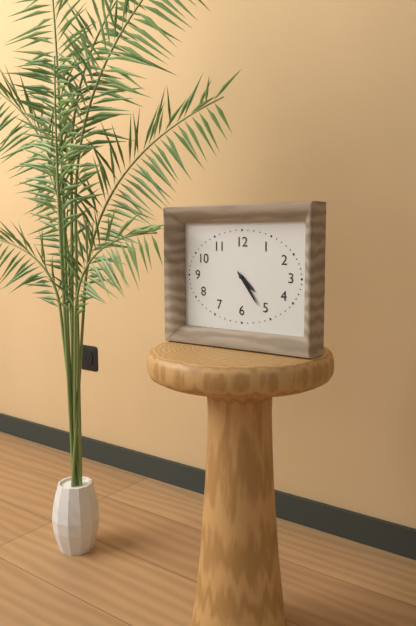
4:24
